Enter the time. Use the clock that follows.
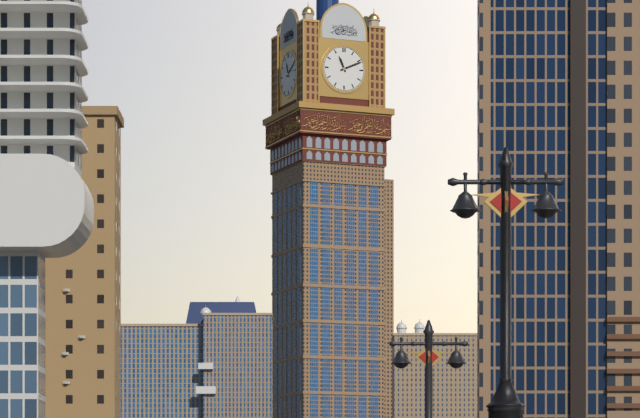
11:11
